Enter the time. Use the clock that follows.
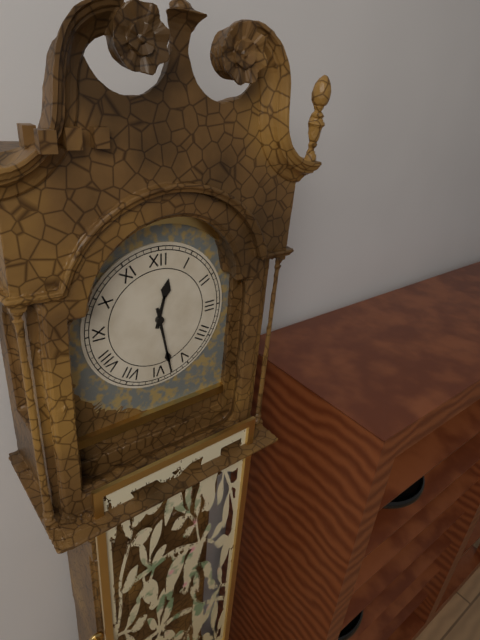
12:28
